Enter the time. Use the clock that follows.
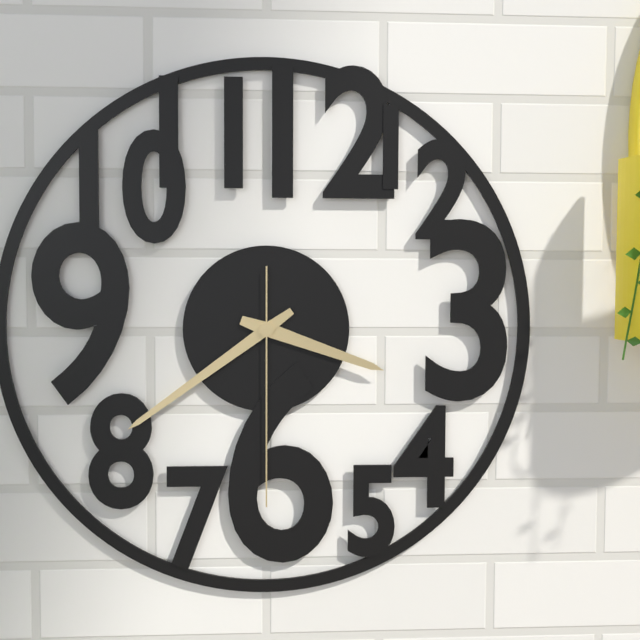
3:39:30
